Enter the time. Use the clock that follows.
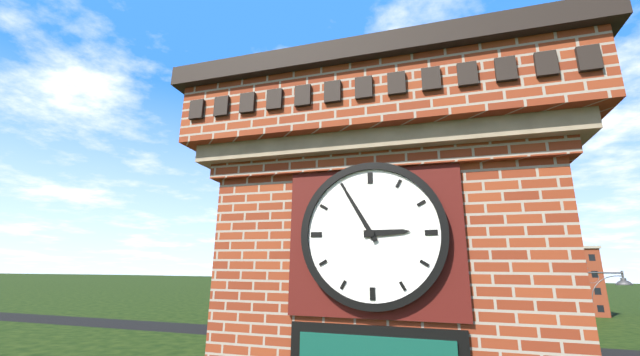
2:55
